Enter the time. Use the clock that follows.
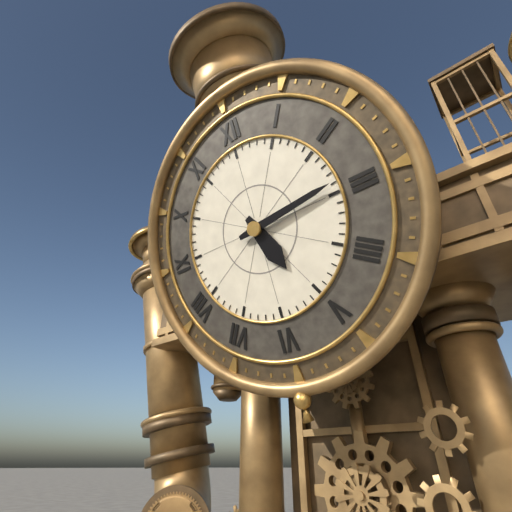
5:14
